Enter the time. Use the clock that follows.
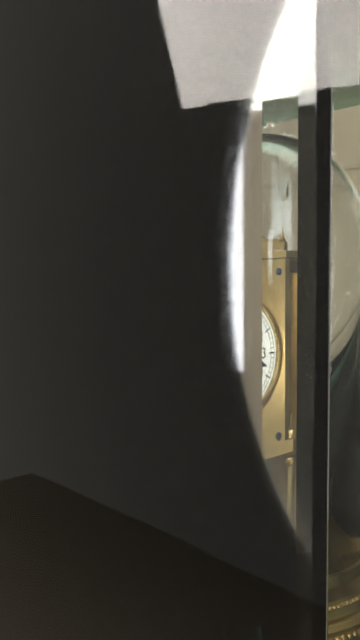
8:18
